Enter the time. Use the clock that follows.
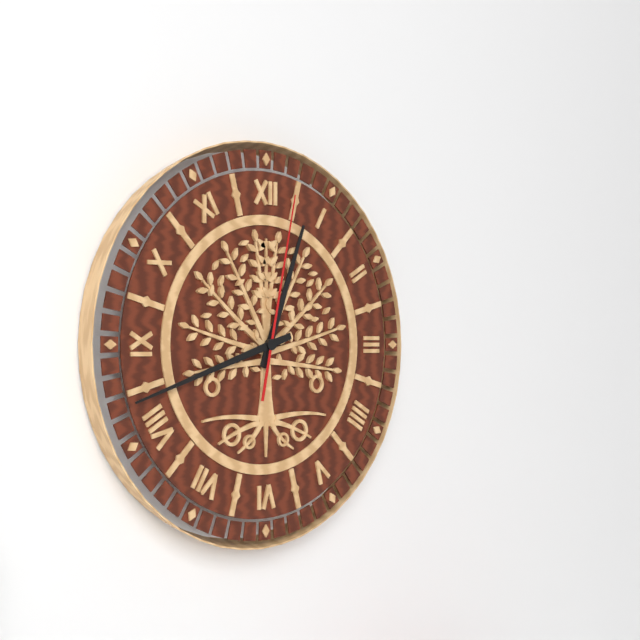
12:42:02
